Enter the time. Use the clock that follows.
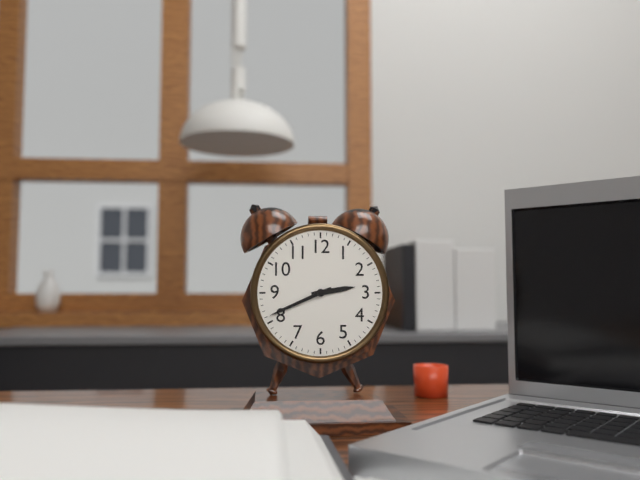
2:41
